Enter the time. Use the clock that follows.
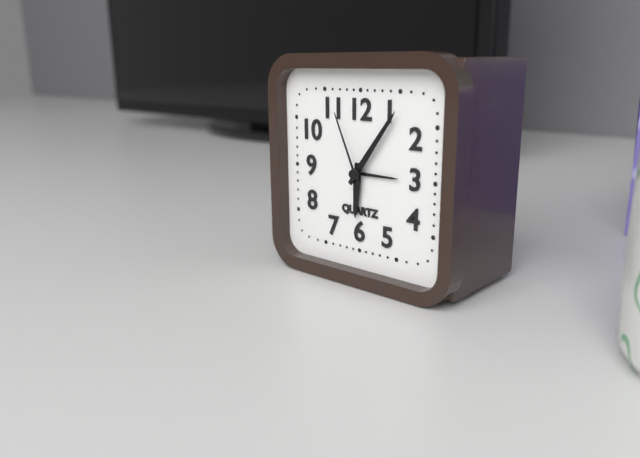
6:06:56
